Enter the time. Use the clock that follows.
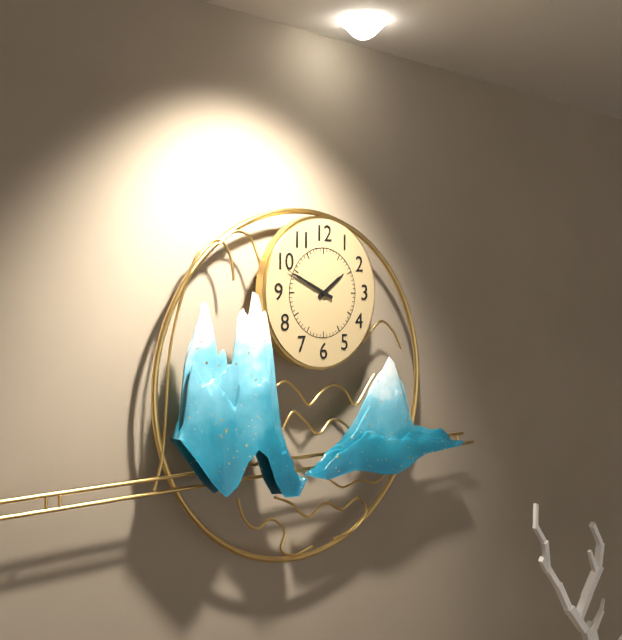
1:49
